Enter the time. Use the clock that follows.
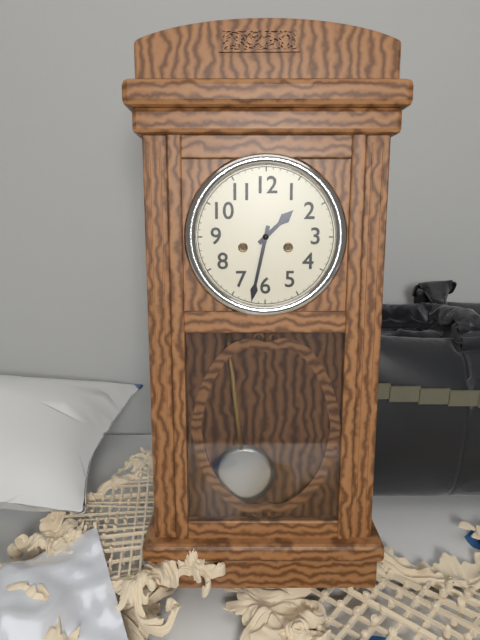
1:32
